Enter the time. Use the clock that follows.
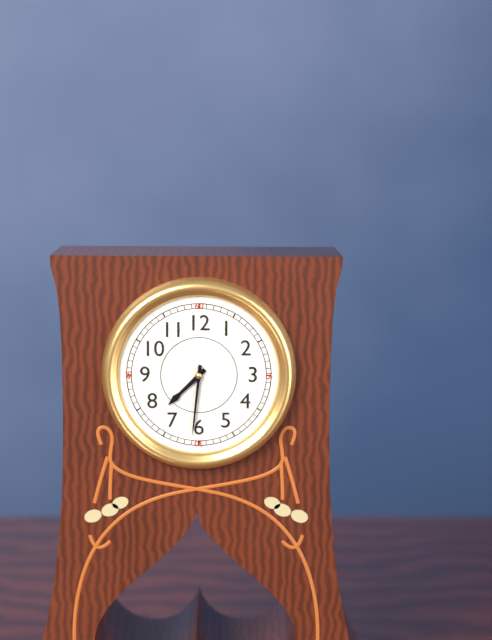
7:31
